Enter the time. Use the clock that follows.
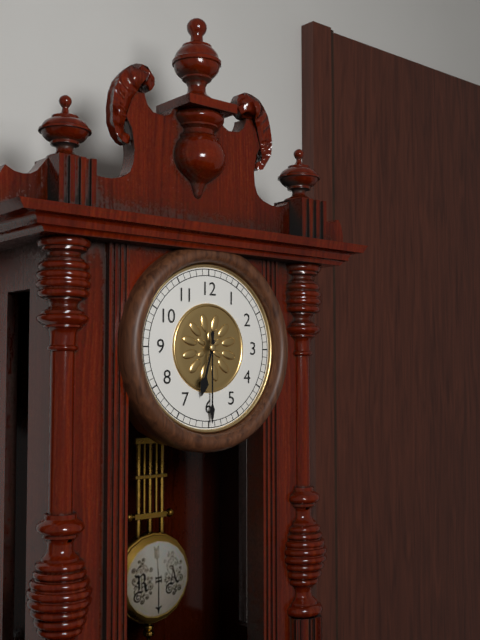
6:30
